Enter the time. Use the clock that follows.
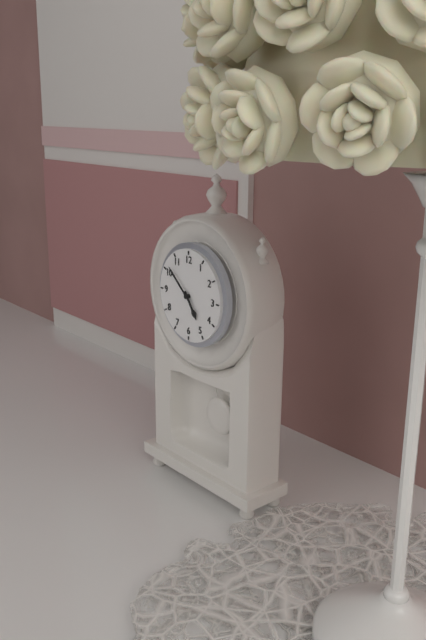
4:52
